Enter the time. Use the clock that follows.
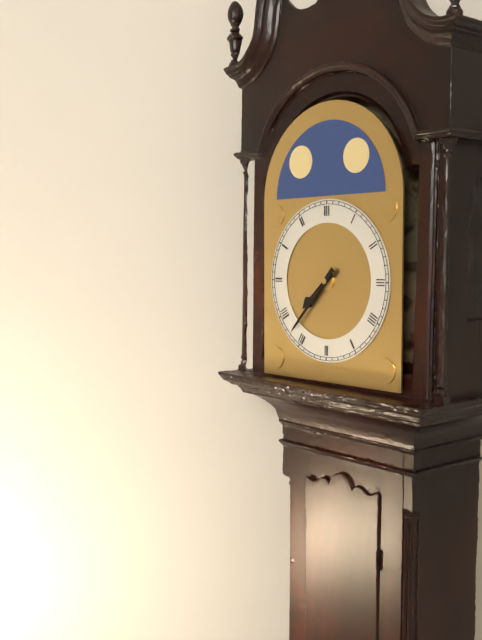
7:37
